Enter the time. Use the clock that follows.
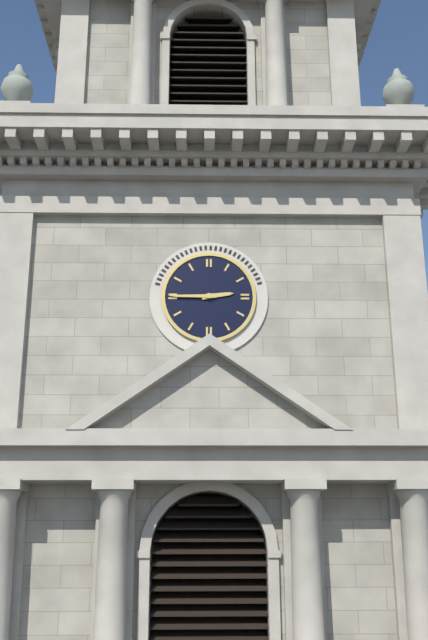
2:45
